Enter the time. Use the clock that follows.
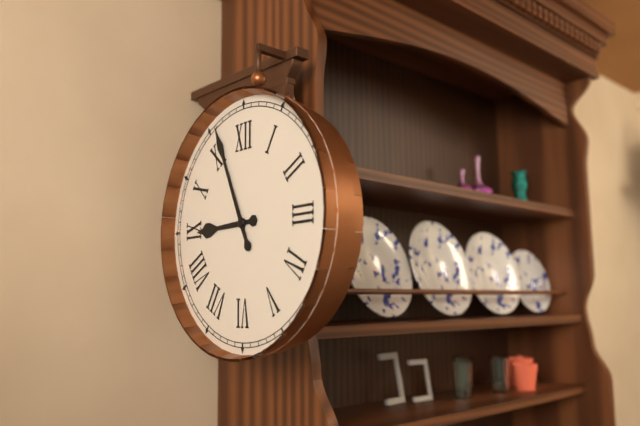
8:56
